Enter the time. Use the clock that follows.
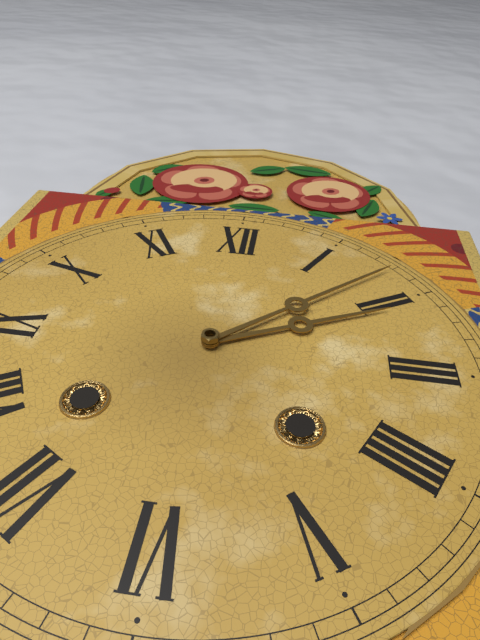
2:08
